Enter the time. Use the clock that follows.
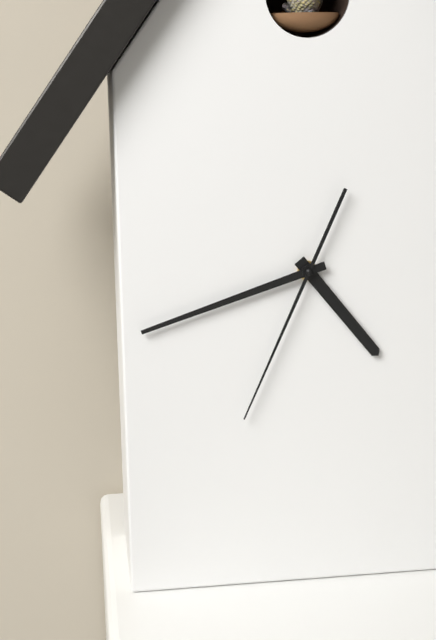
4:42:34
